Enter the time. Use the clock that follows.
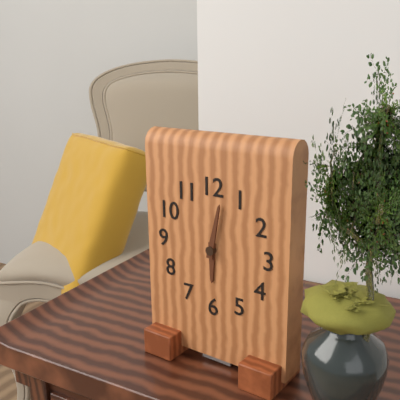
6:02
